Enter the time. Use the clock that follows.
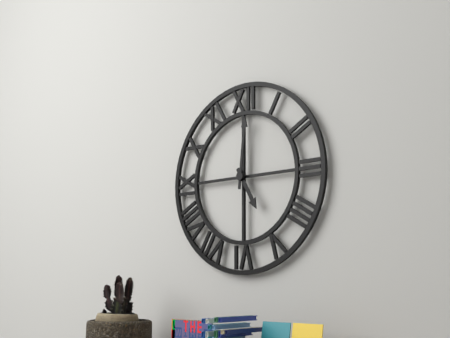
5:01
